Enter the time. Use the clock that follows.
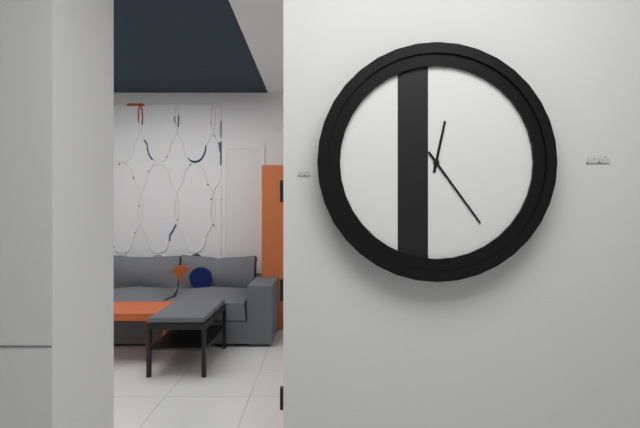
12:24
